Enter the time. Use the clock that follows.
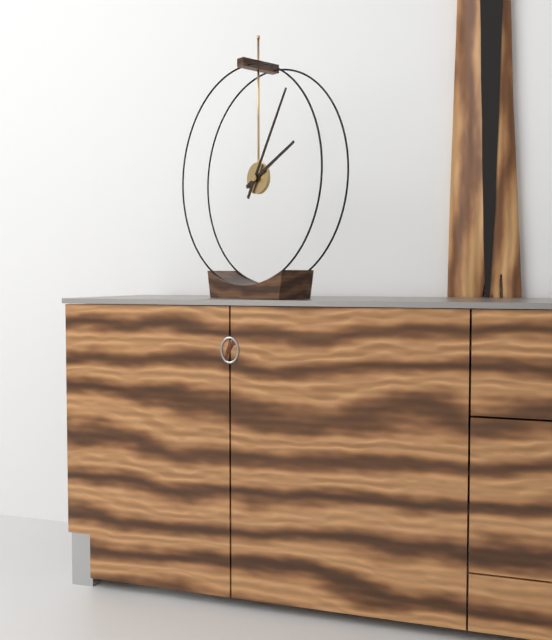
2:05
